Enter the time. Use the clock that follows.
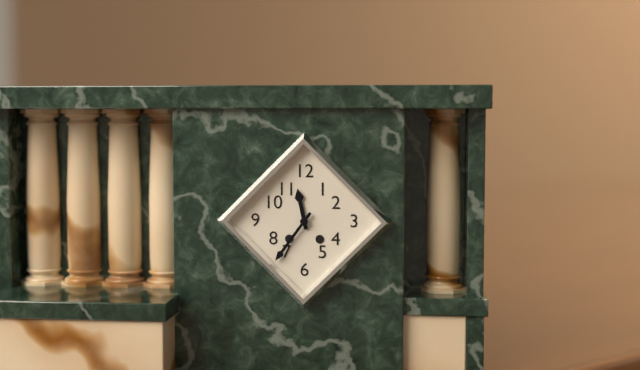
11:36
